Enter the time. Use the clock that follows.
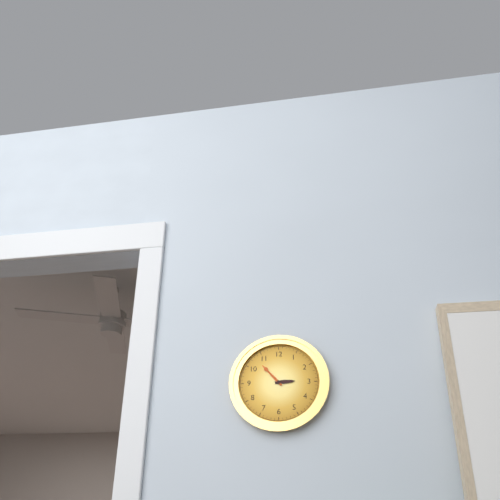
2:53
